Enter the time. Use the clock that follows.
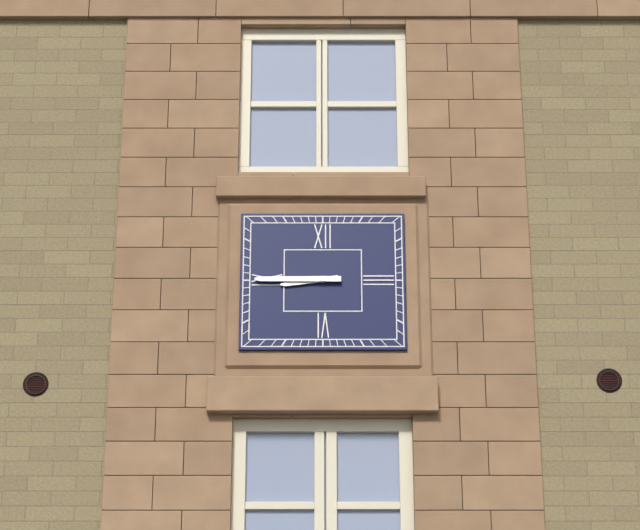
8:45
